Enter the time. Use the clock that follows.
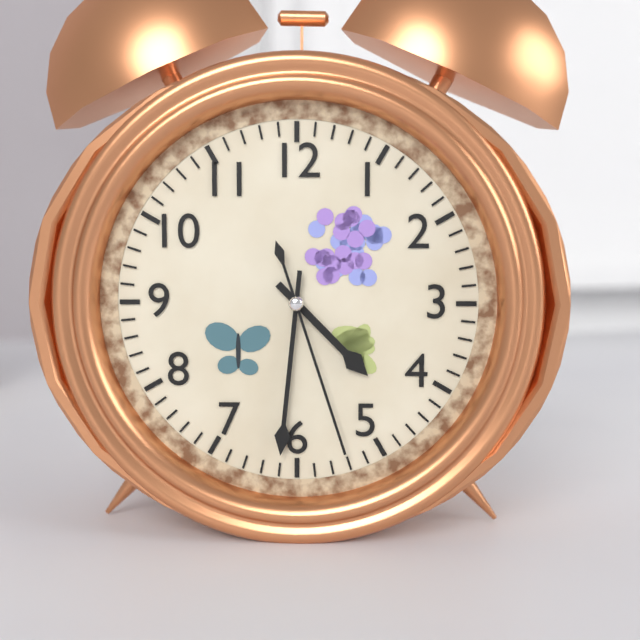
4:31:27
